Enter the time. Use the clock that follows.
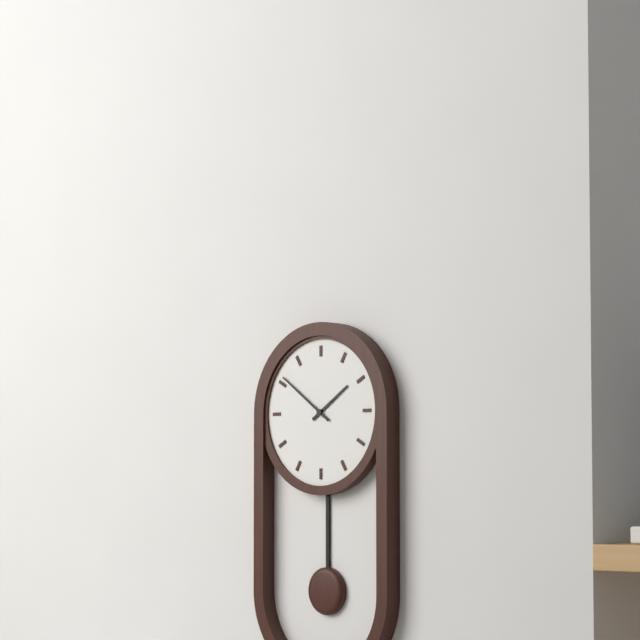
1:51
